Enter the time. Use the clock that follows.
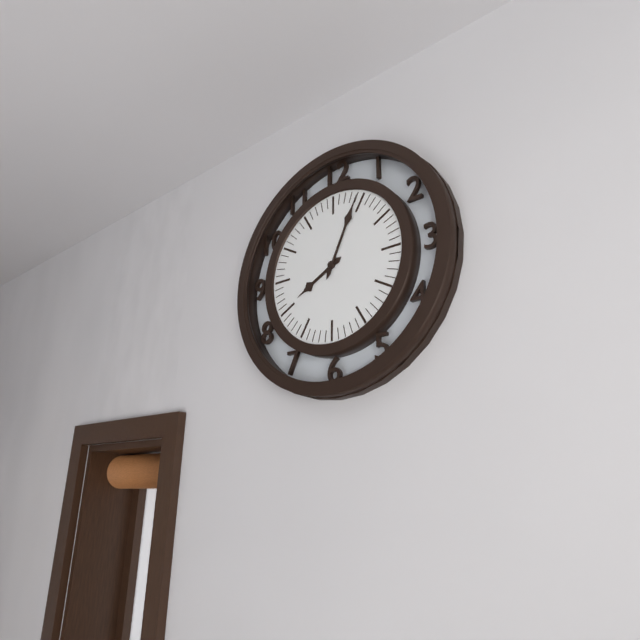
8:04
